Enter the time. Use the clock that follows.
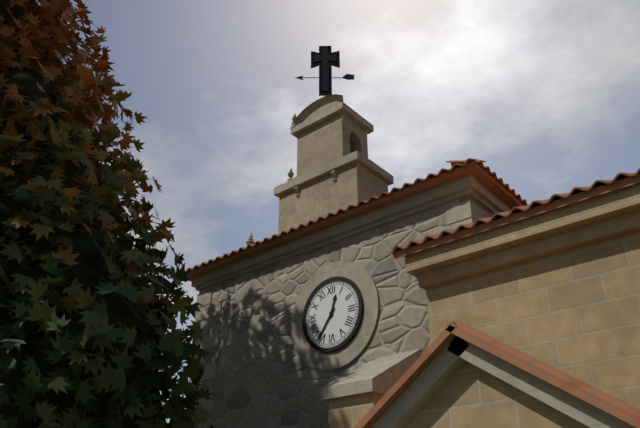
12:36
